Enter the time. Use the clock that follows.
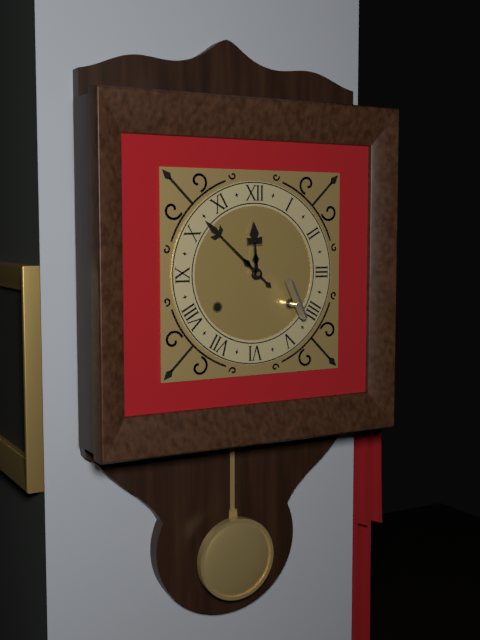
11:52
